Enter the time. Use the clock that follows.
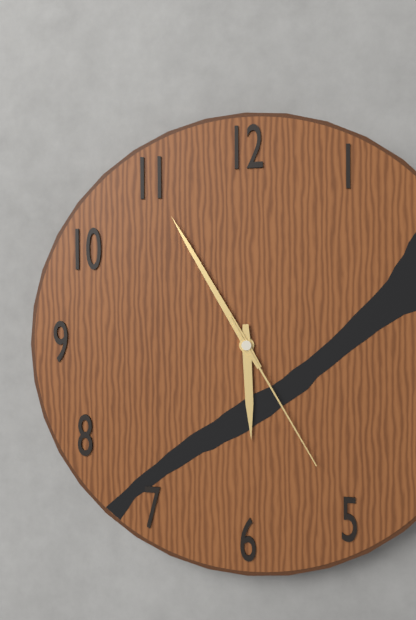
5:55:25
